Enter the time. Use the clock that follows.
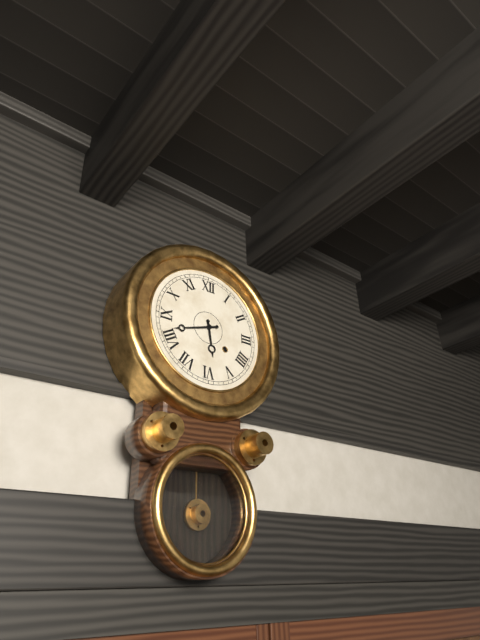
5:42
